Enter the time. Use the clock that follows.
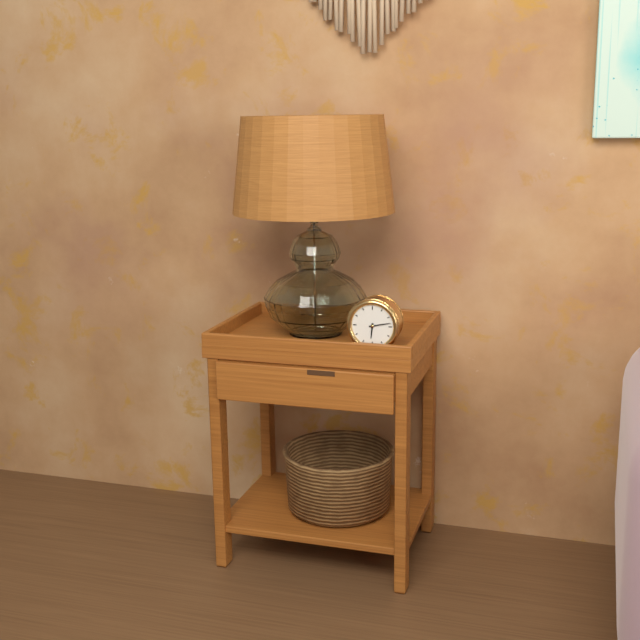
6:13
